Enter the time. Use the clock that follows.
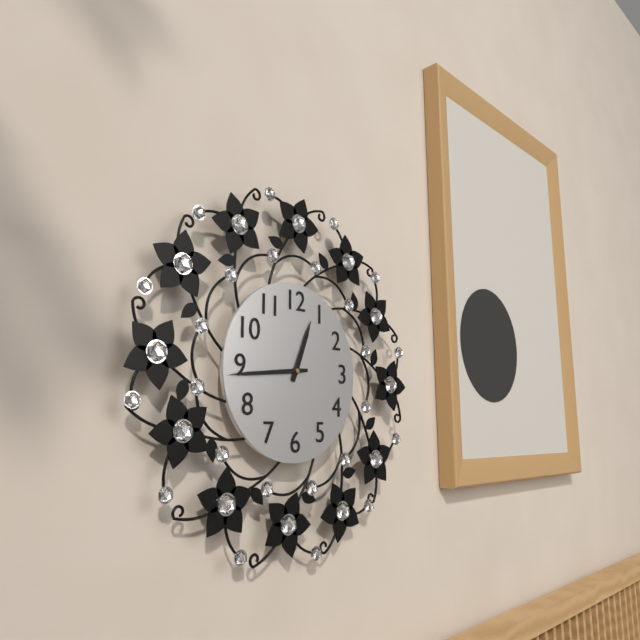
12:44
